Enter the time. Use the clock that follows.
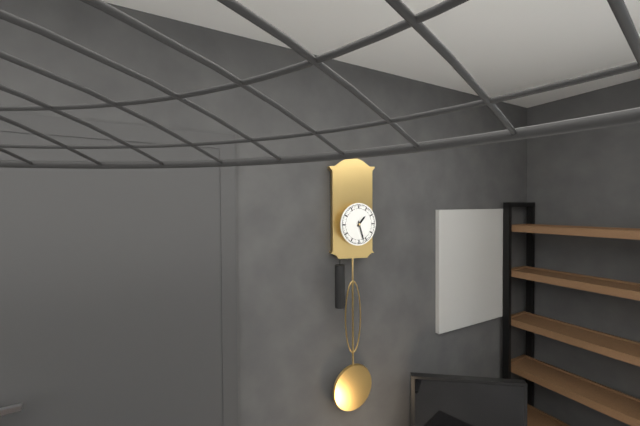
1:27
